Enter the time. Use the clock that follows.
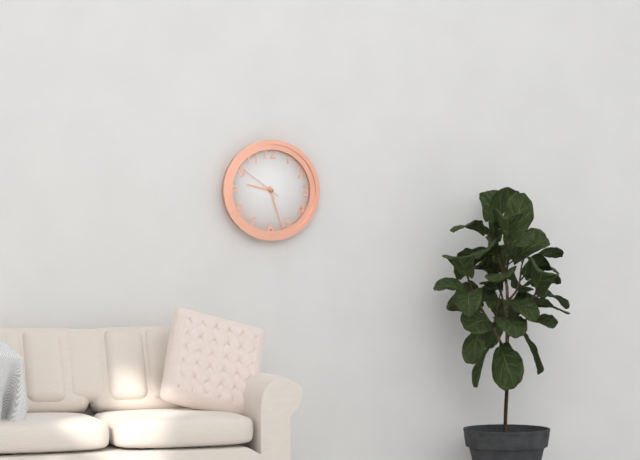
9:27
